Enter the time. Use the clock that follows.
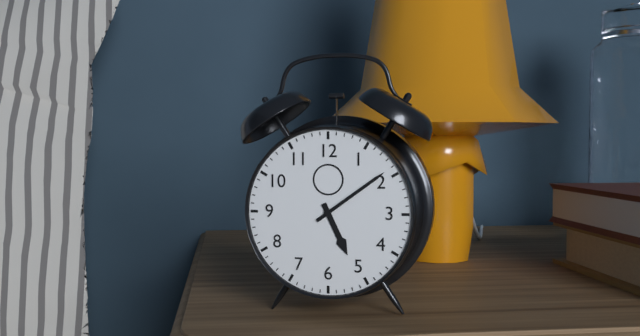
5:09
